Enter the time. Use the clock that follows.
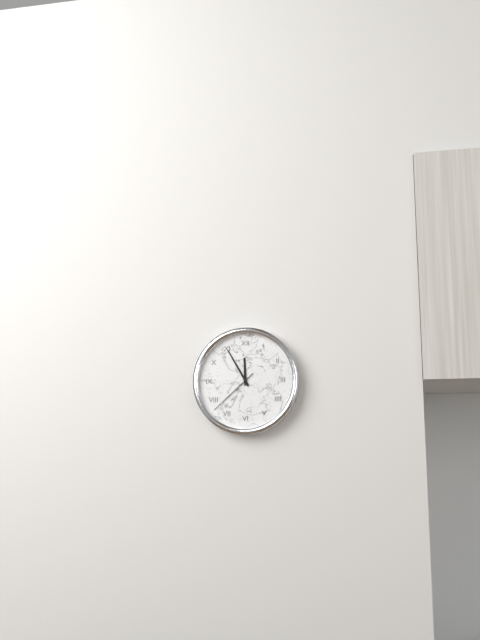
11:55:38
